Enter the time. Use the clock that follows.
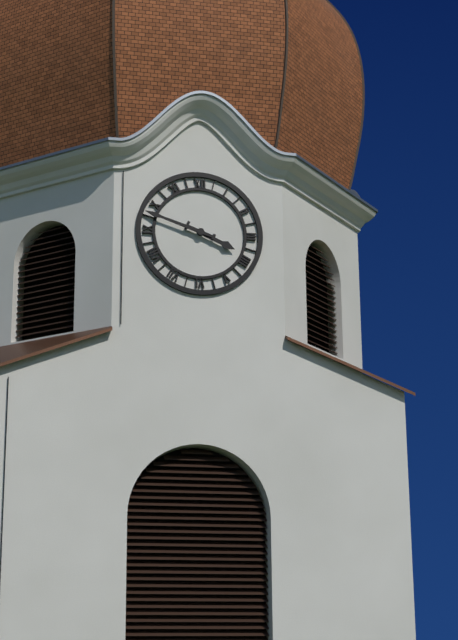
3:48
